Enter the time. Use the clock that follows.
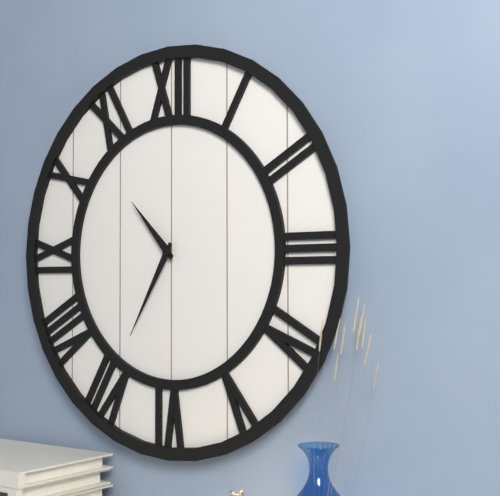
10:35
